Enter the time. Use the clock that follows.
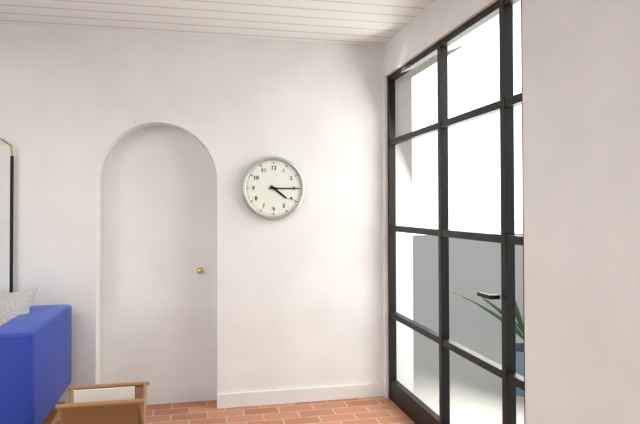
4:15
